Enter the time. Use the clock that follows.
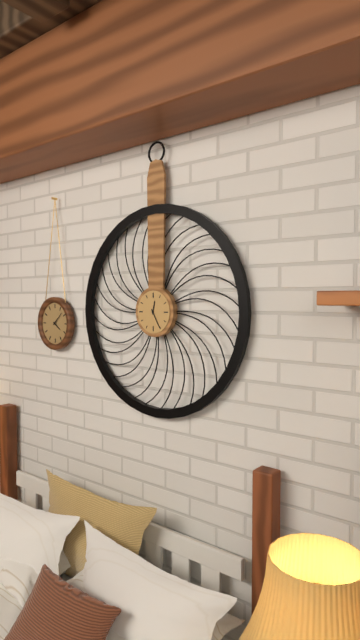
12:25
